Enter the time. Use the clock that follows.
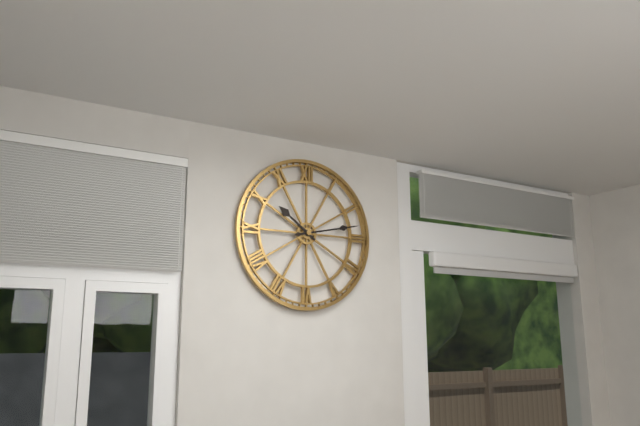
10:13
